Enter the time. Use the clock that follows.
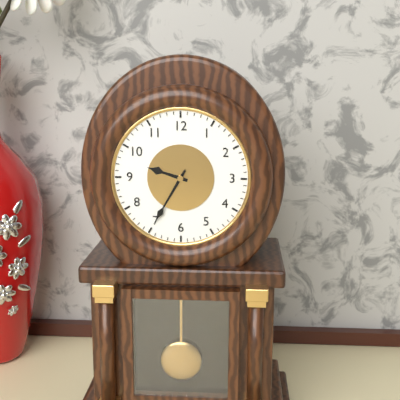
9:35
